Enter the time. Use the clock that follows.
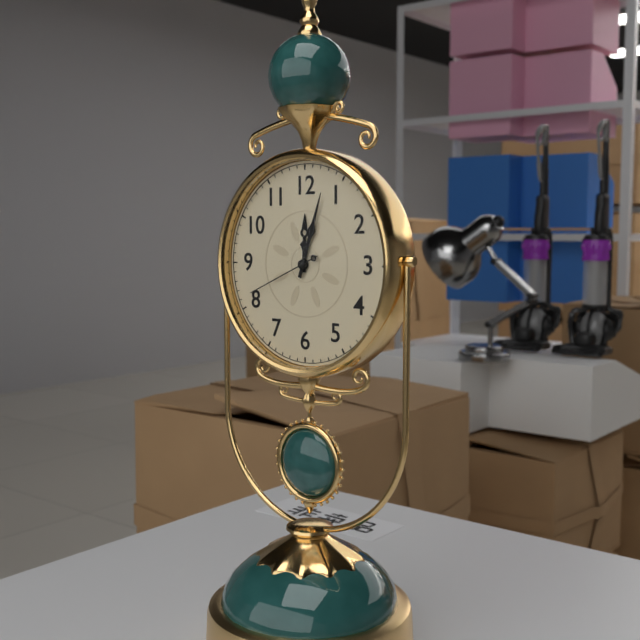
12:03:41
